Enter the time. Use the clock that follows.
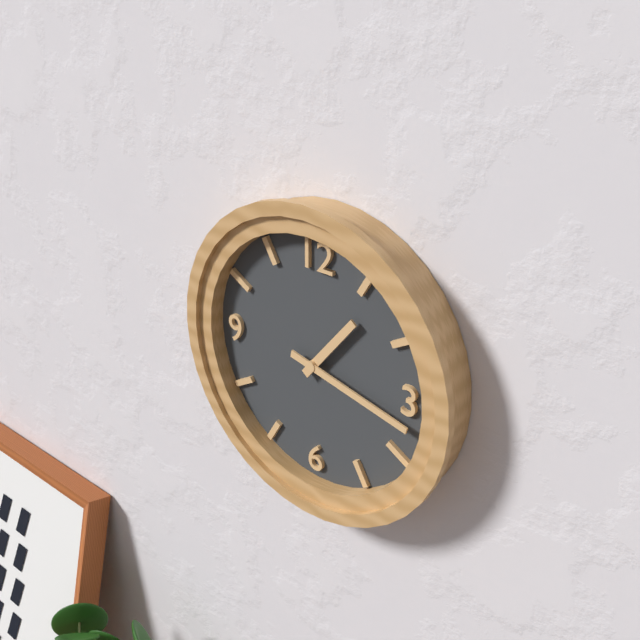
1:17
